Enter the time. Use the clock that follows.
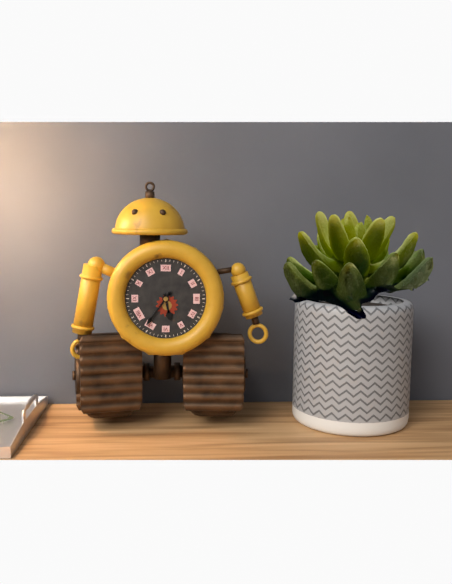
5:36
